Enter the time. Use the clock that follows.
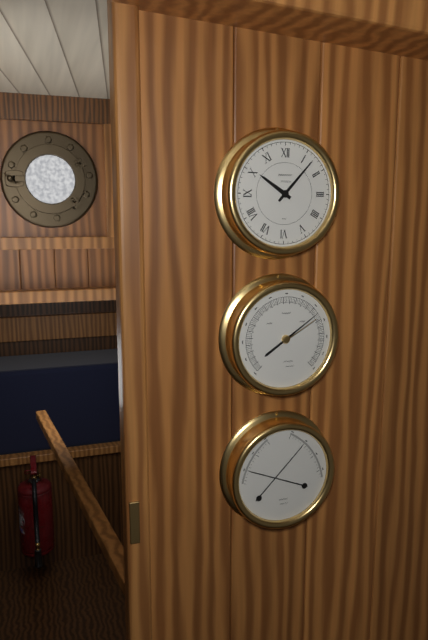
10:07
